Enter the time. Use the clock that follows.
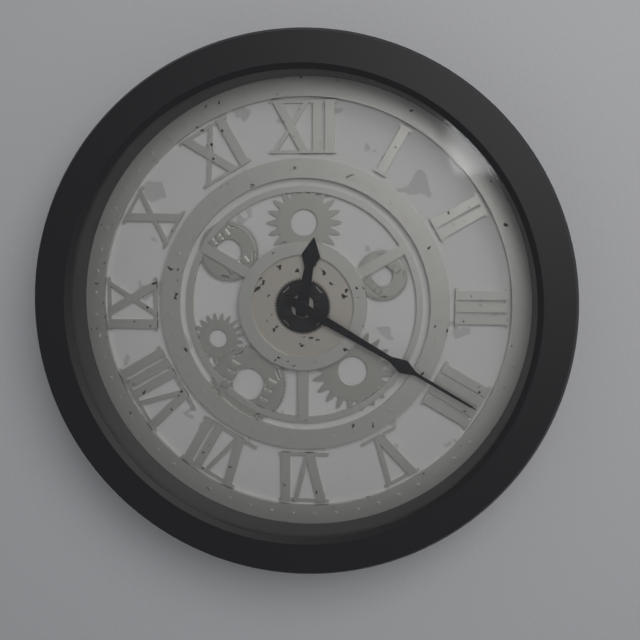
12:20
